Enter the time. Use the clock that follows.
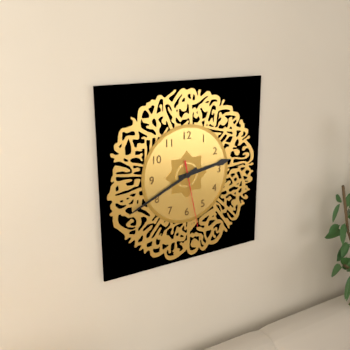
2:41:28
